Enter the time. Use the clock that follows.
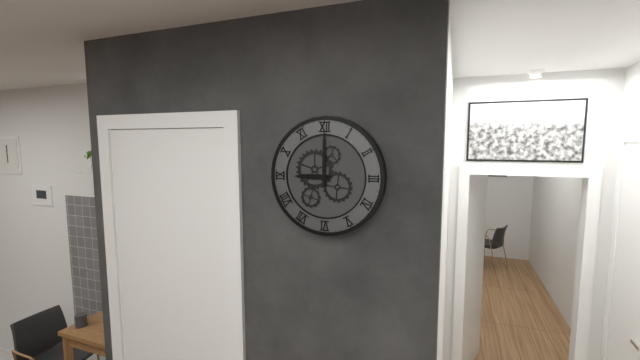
9:00
